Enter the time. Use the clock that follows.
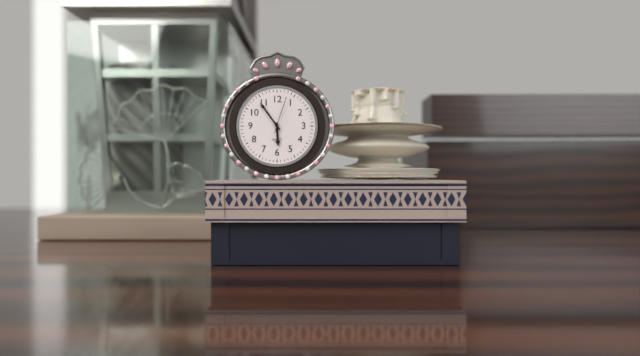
5:54
